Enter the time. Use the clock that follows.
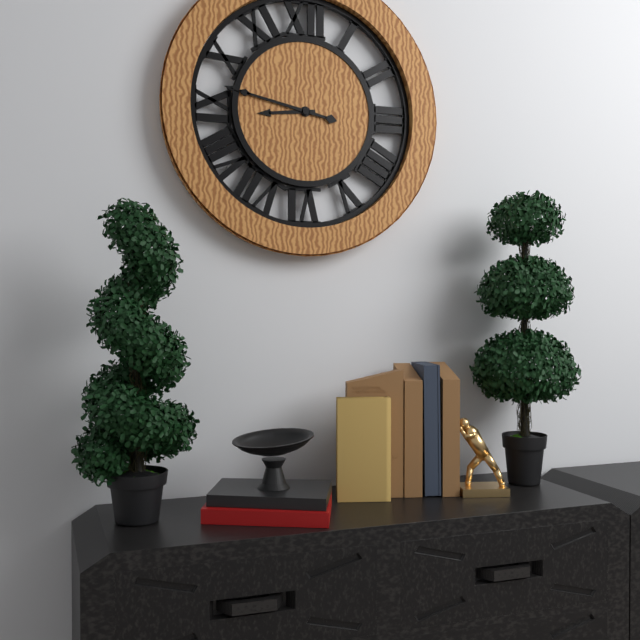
8:47
